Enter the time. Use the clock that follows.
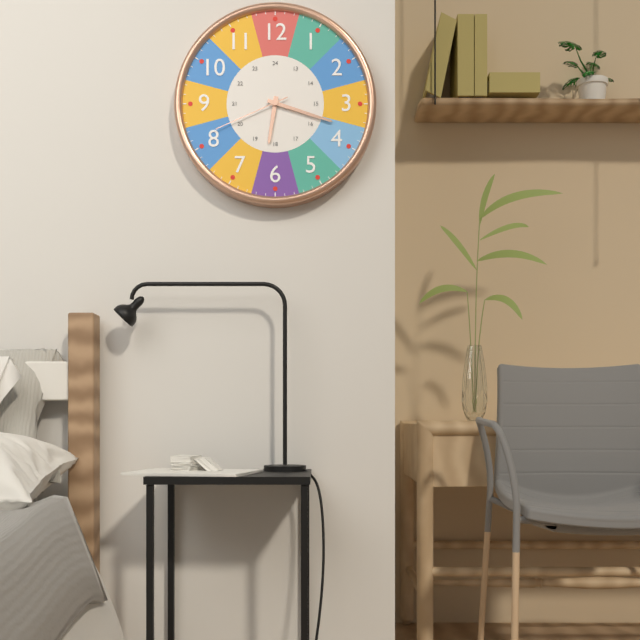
6:18:41
